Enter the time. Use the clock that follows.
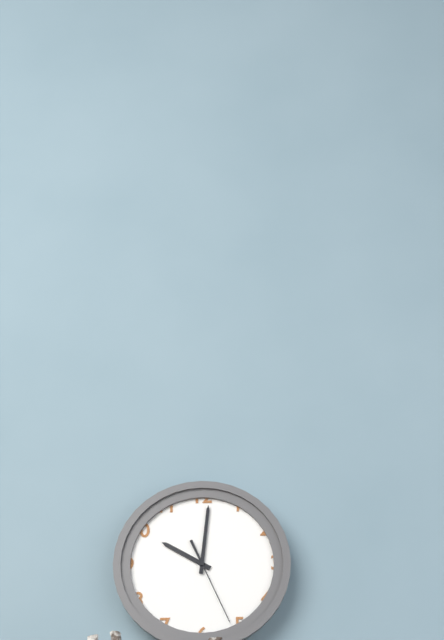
10:01:26
